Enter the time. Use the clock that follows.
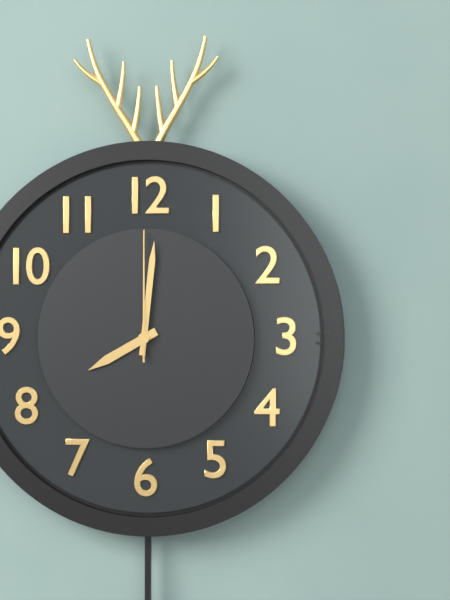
8:01:00
